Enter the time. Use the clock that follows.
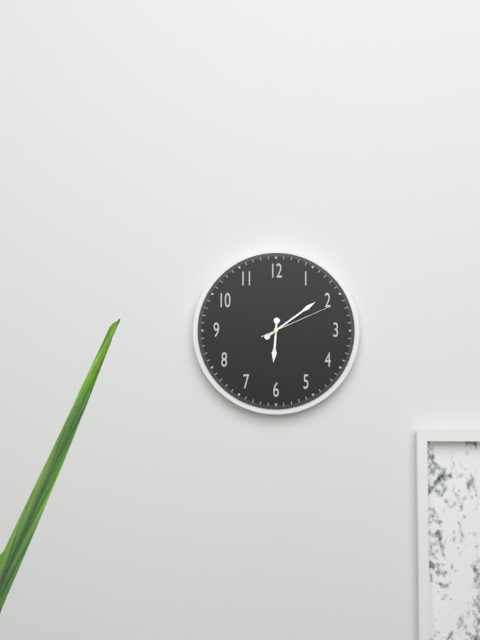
6:09:11
